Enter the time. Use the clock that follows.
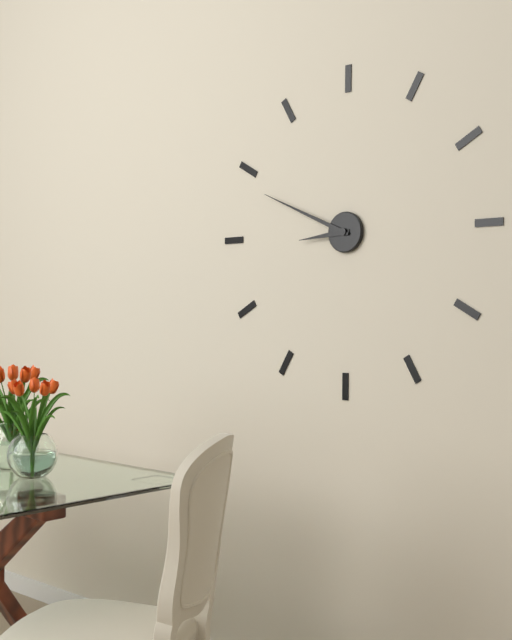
8:49
